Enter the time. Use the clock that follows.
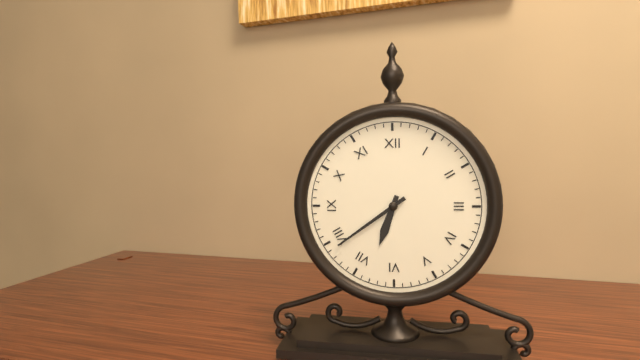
6:39
